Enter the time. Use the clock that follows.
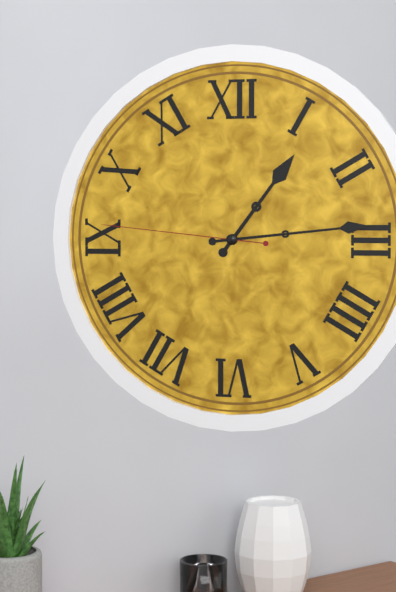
1:14:46
